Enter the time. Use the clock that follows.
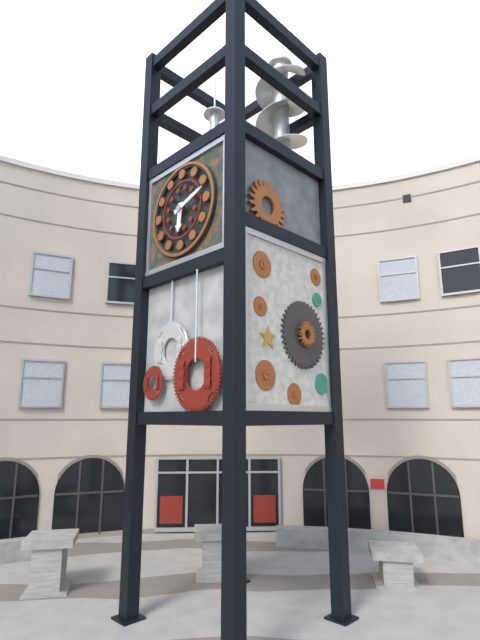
6:12
